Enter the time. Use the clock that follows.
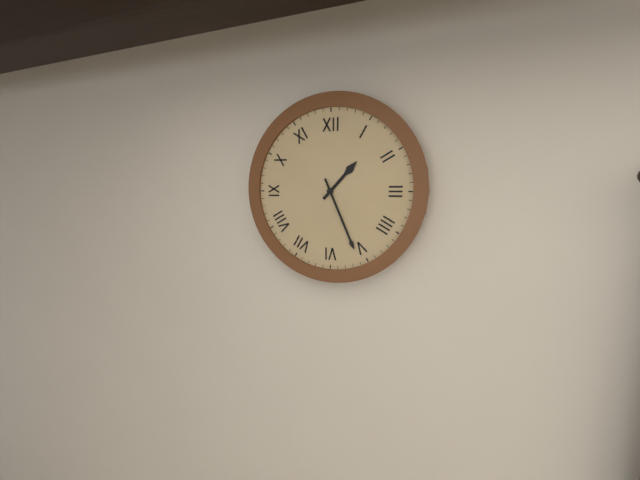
1:26
